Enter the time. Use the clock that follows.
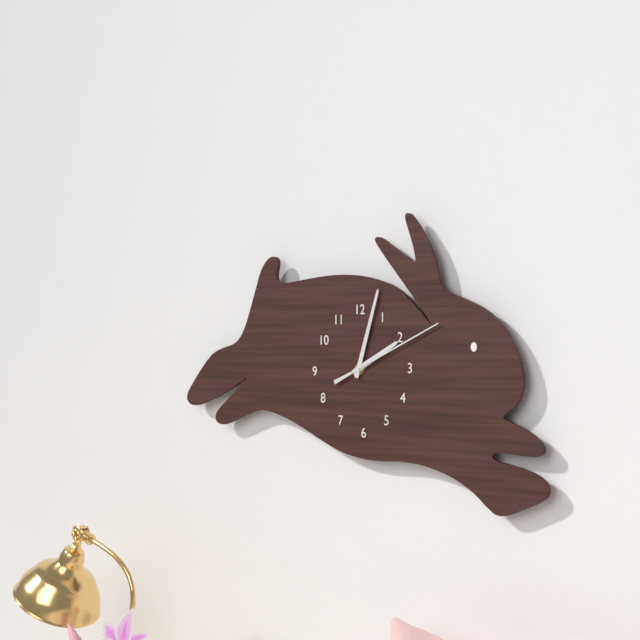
2:03:11
